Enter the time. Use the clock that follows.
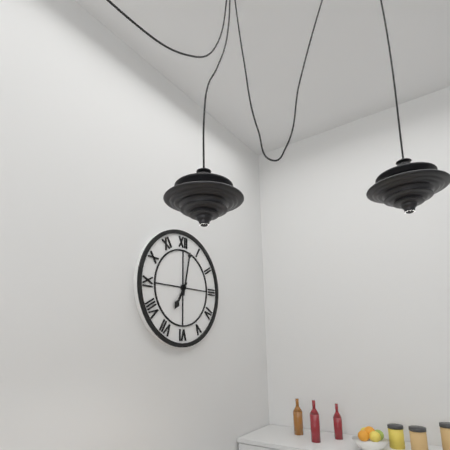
7:02
